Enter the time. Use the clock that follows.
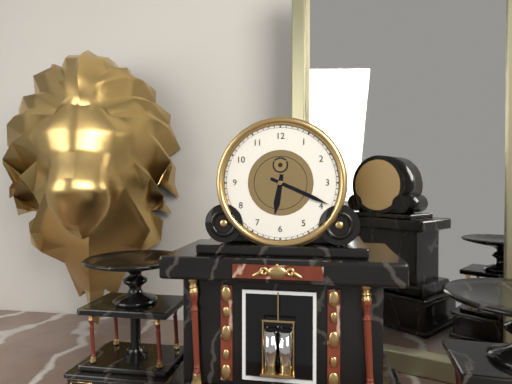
6:19
